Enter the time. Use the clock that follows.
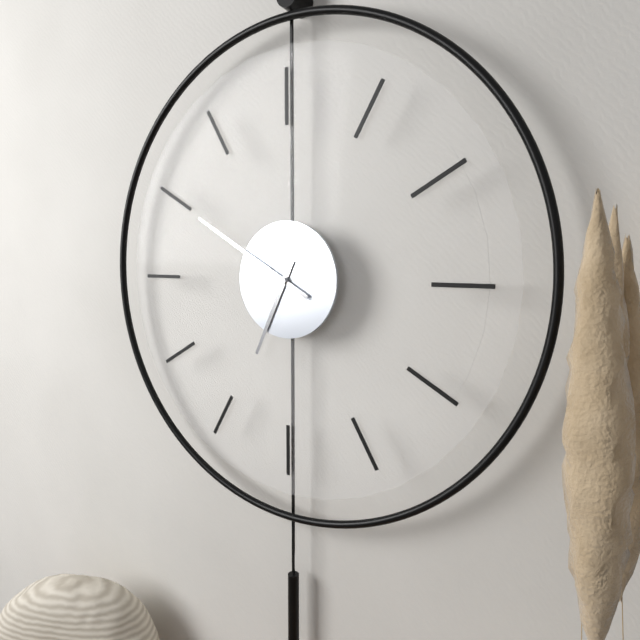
6:50
